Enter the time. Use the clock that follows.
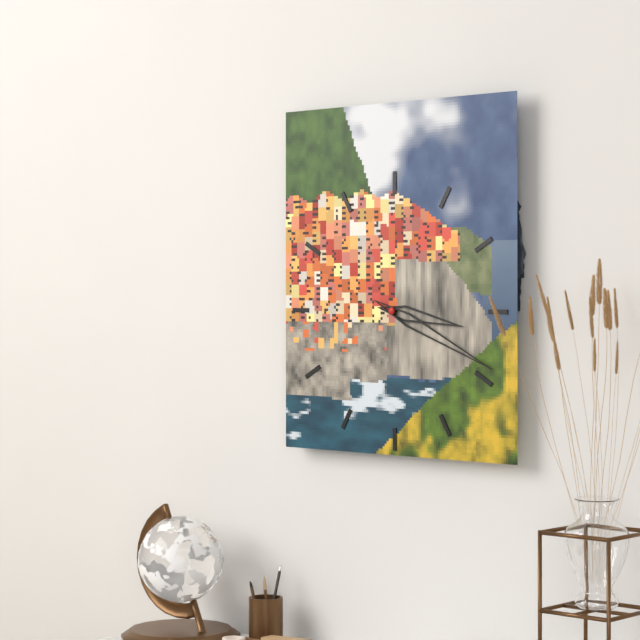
3:19
